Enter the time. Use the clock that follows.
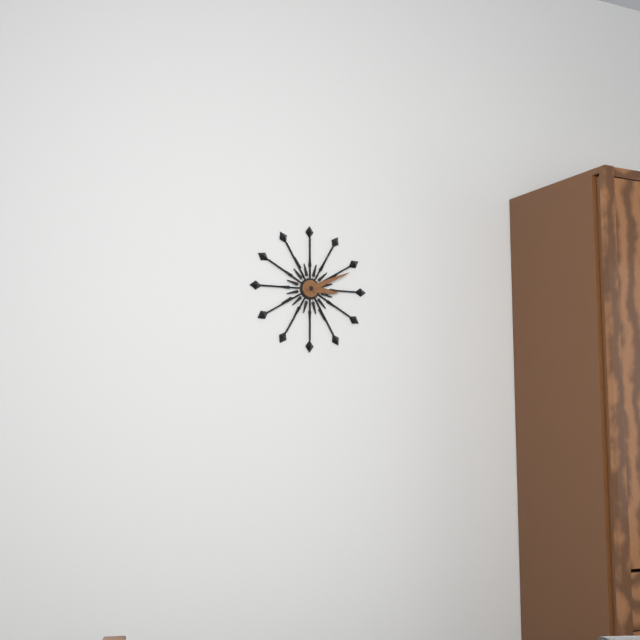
3:11
